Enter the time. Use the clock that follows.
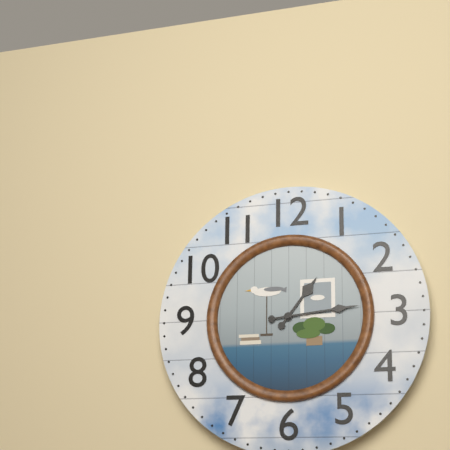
1:14
